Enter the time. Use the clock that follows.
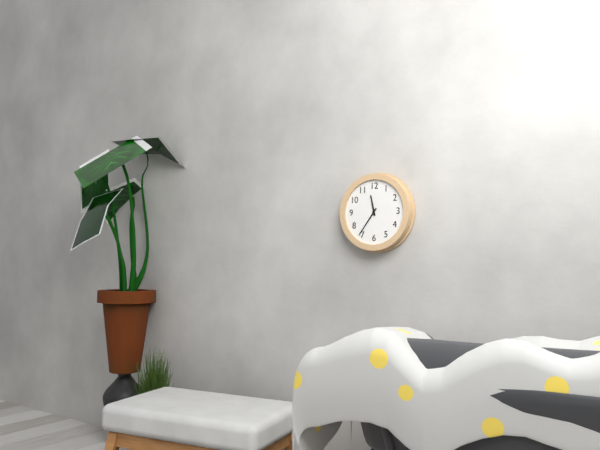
11:36
